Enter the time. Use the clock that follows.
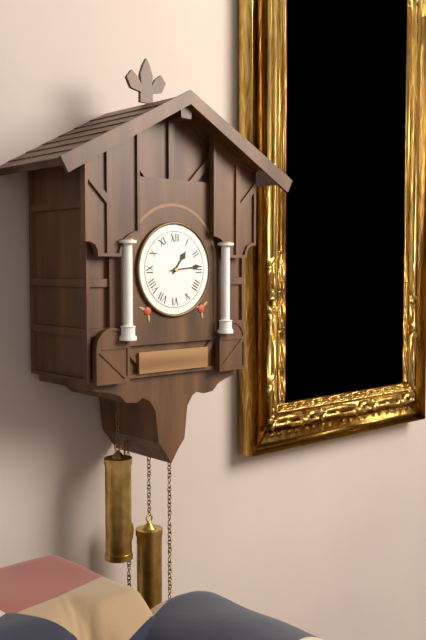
1:14
